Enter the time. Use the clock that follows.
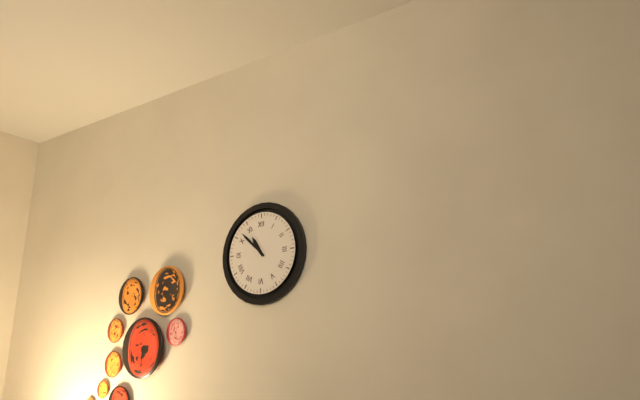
10:52
